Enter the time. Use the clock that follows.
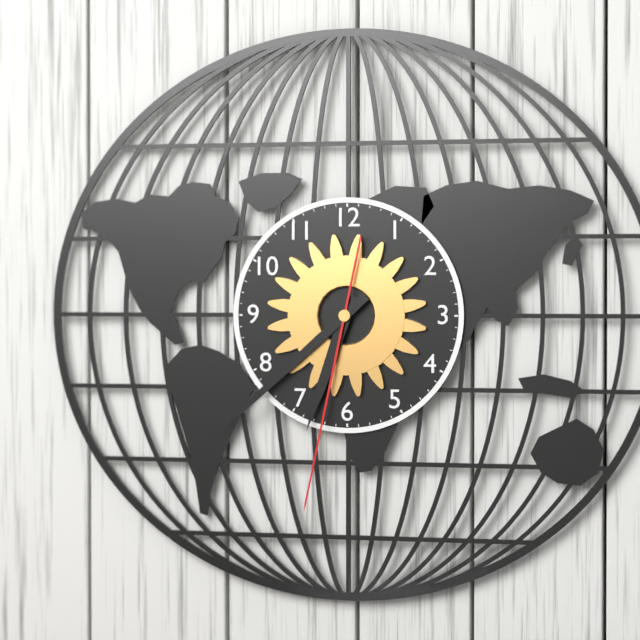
6:38:32
